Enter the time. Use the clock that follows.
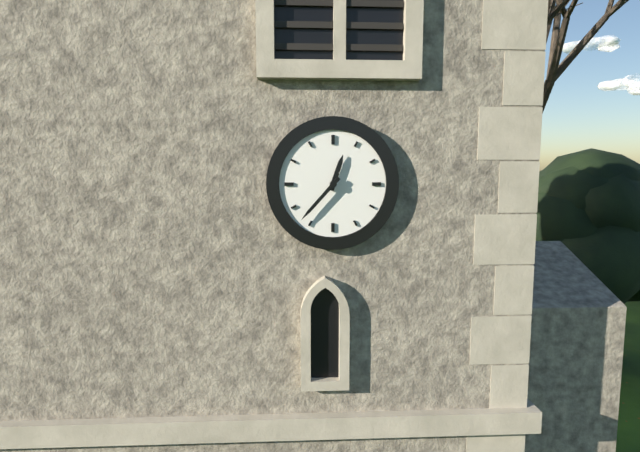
12:37
